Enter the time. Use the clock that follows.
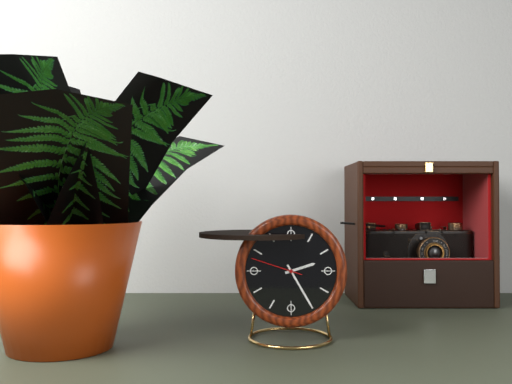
2:25:48
